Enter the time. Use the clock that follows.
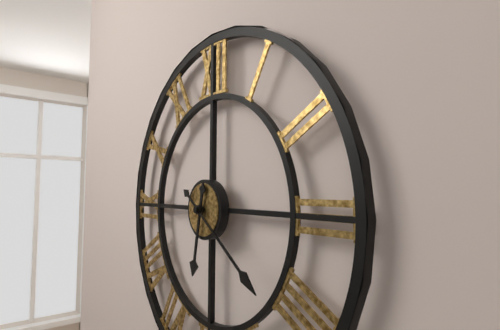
6:21
